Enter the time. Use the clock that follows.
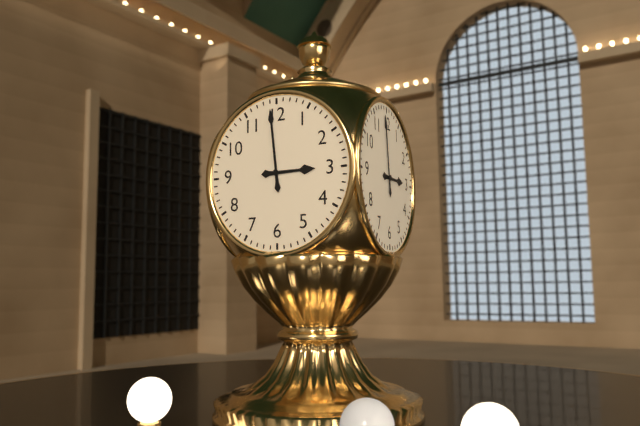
2:59
